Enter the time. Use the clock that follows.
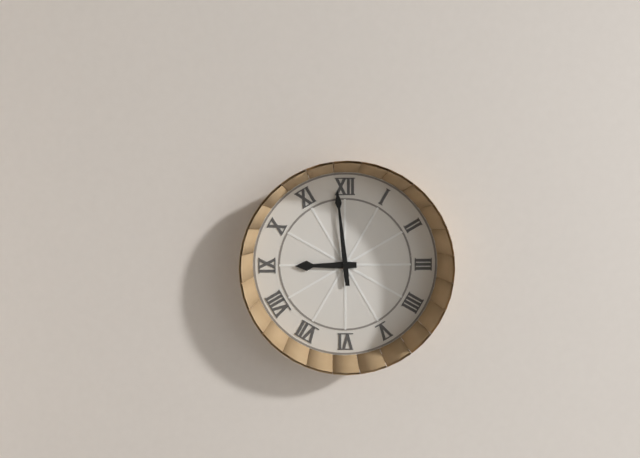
8:59
